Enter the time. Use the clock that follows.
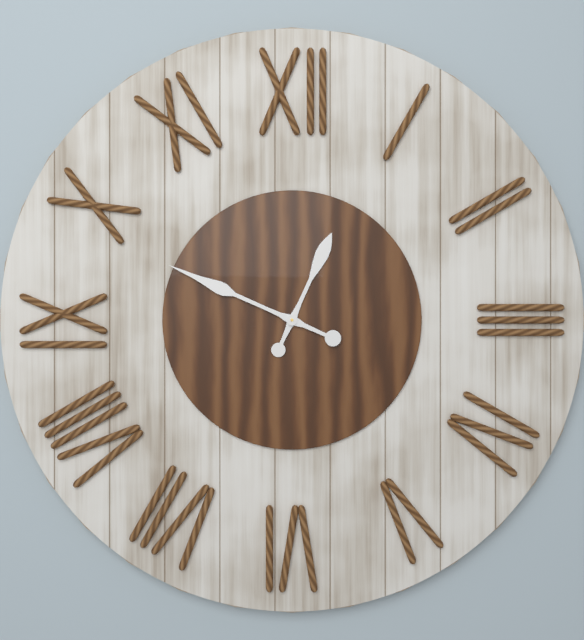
12:49
